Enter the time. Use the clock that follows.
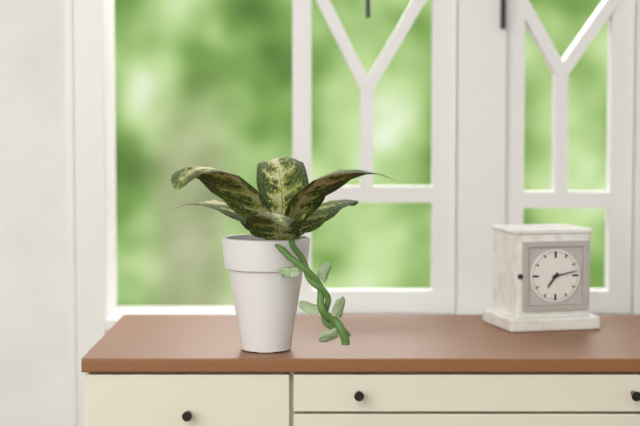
7:13
